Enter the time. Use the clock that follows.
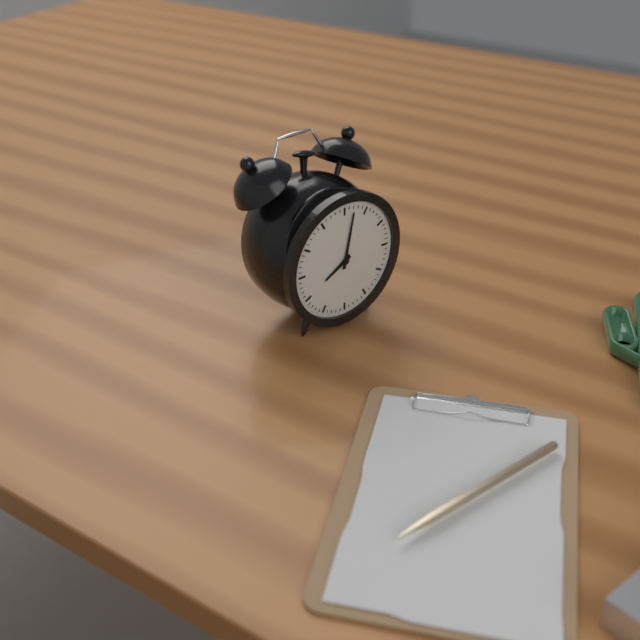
8:02
